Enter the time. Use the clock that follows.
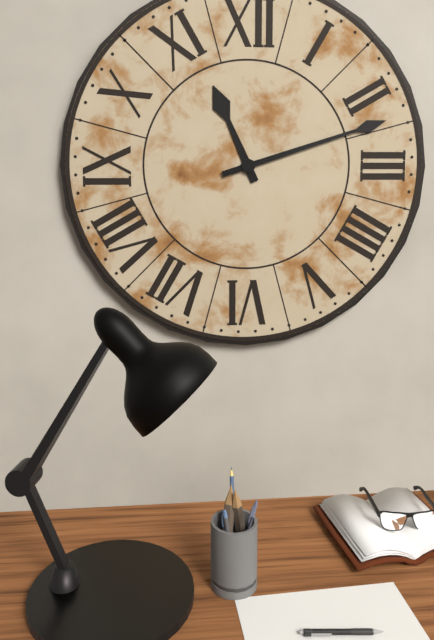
11:12
